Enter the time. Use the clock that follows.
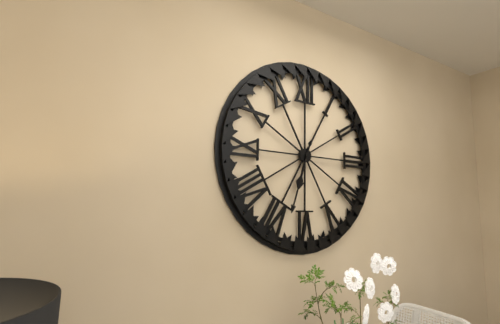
6:33
